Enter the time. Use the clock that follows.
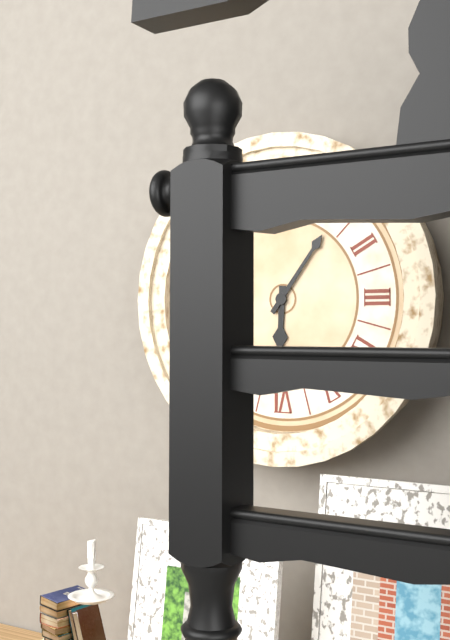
6:06
